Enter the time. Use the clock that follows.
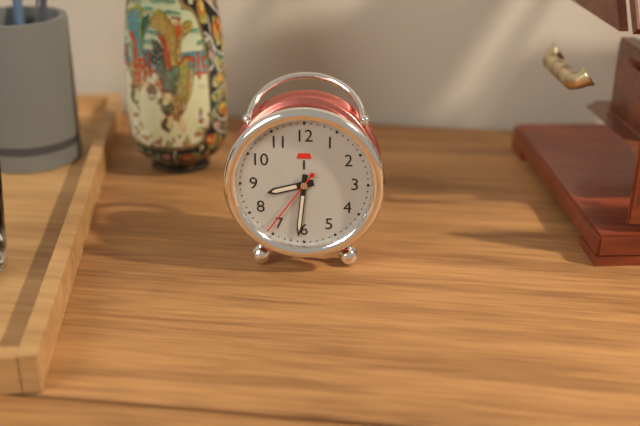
8:31:36
